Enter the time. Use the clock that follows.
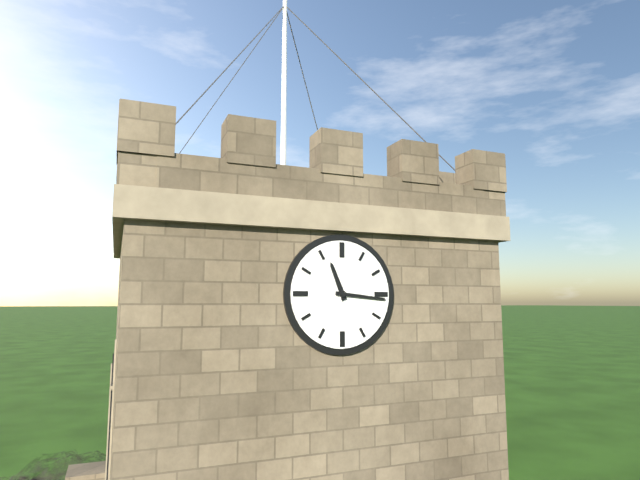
11:16
